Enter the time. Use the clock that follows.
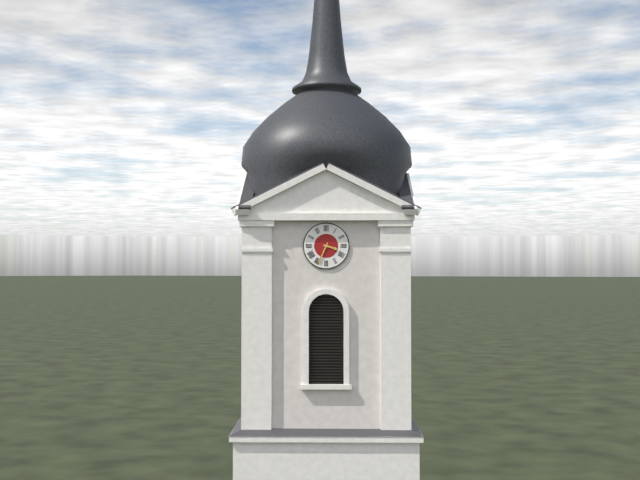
3:34
